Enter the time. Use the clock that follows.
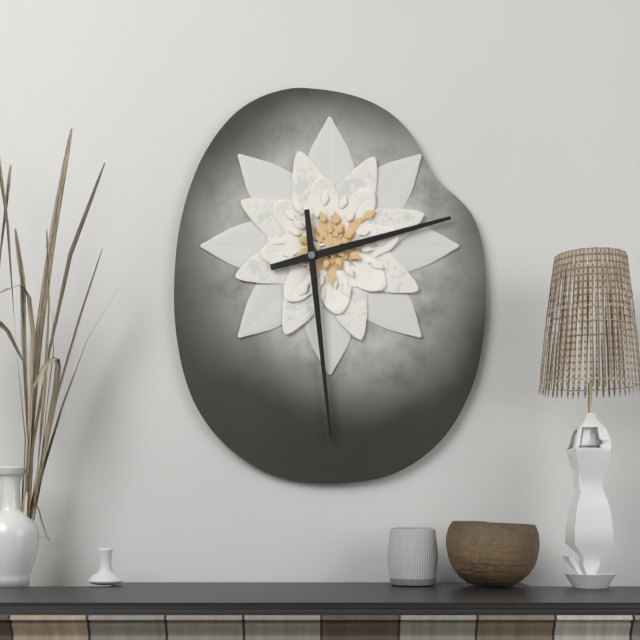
2:29
